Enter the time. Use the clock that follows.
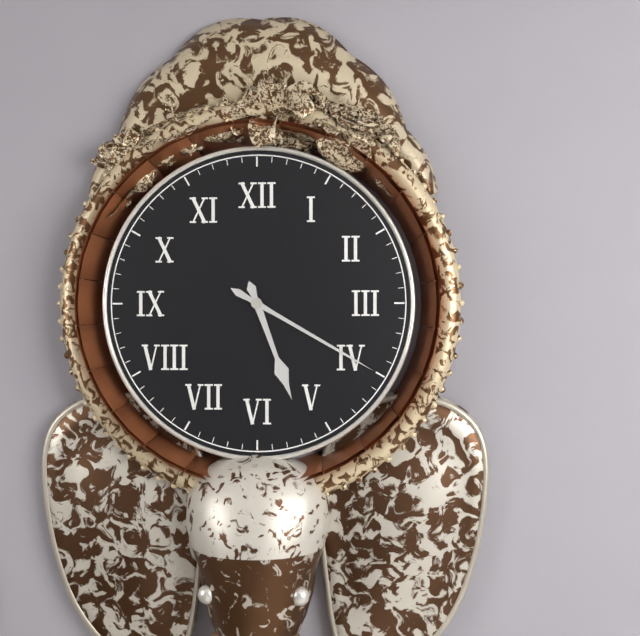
5:20
